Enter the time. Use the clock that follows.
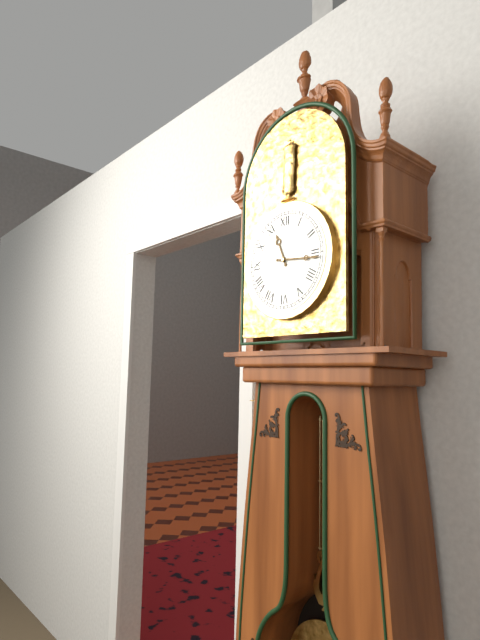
11:16
